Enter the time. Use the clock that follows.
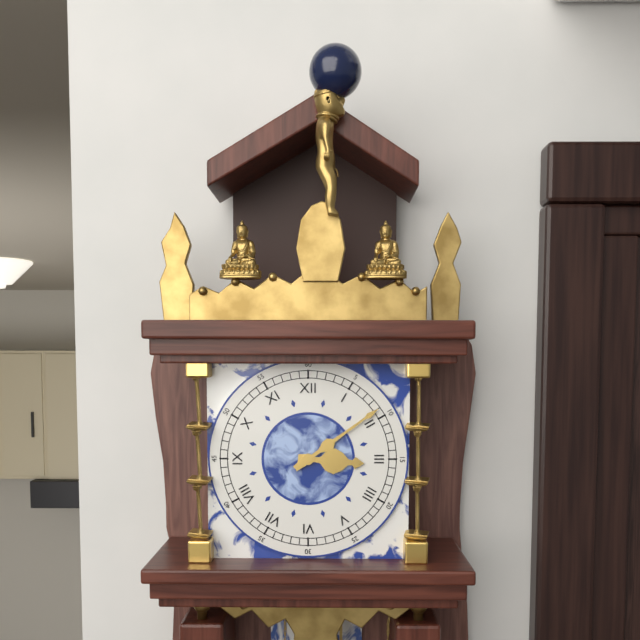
3:09
